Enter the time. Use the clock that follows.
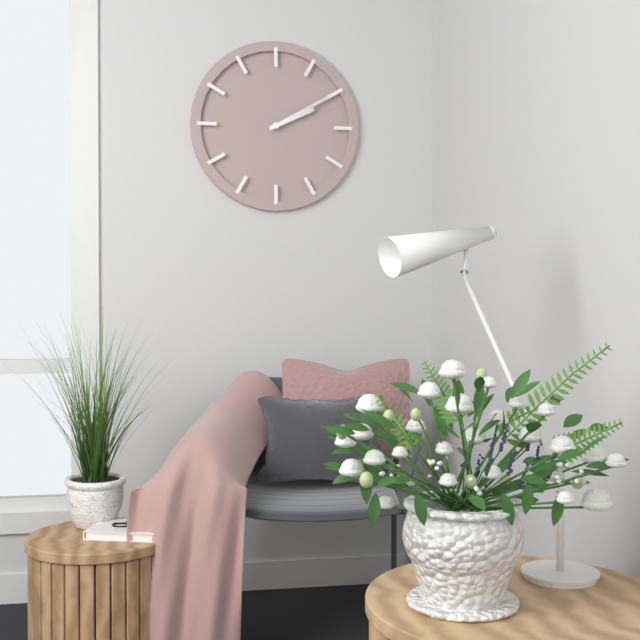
2:10
